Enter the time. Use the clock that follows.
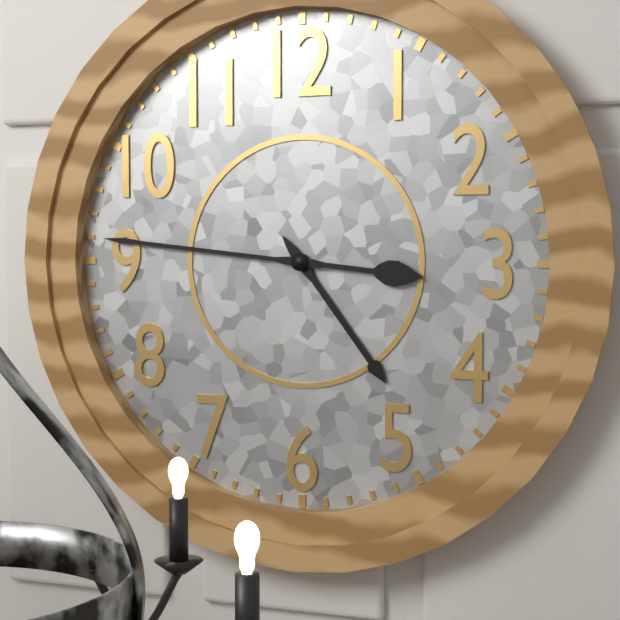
4:46
